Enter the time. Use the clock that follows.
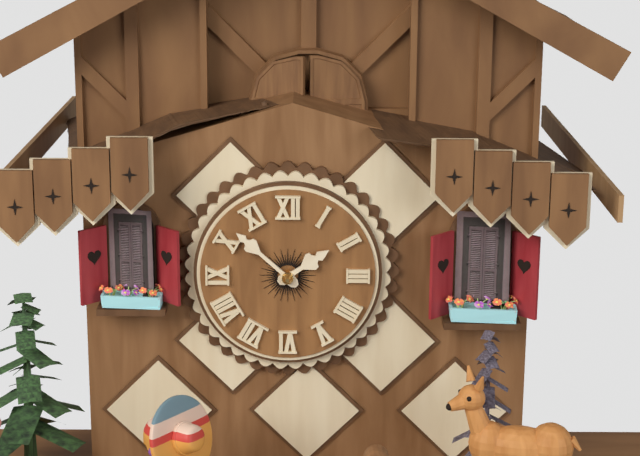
1:52
